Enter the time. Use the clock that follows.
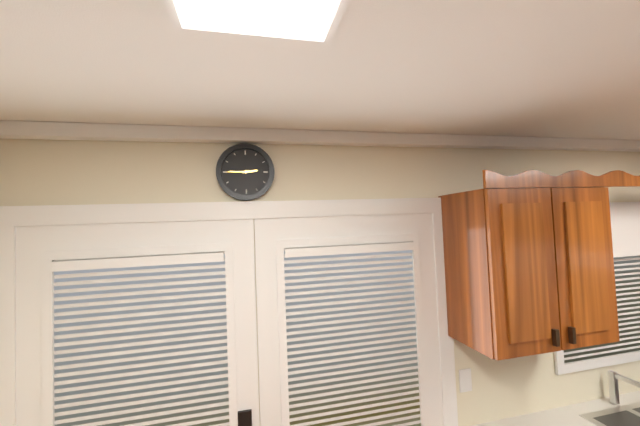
2:45
